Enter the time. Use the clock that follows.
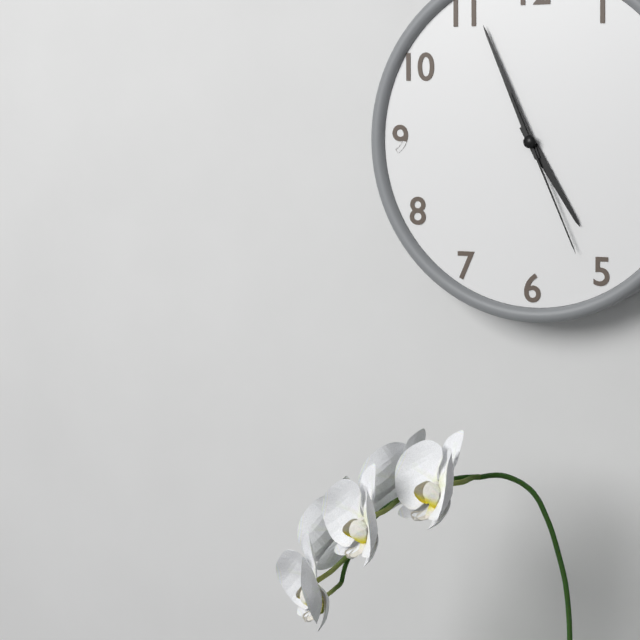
4:56:26
